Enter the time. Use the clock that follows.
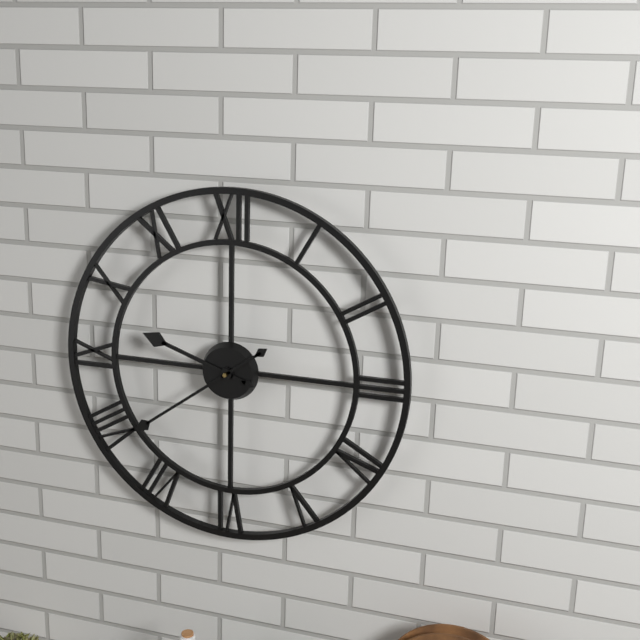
9:39
